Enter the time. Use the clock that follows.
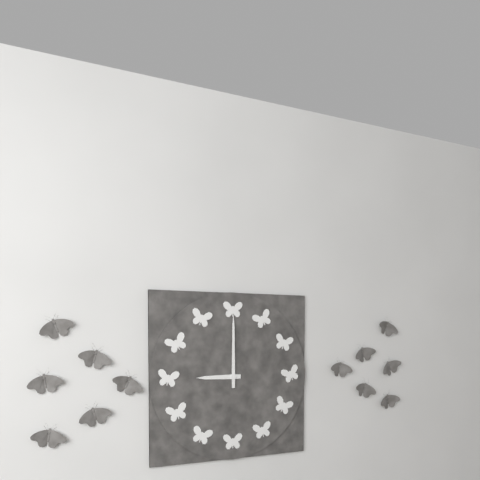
9:00
